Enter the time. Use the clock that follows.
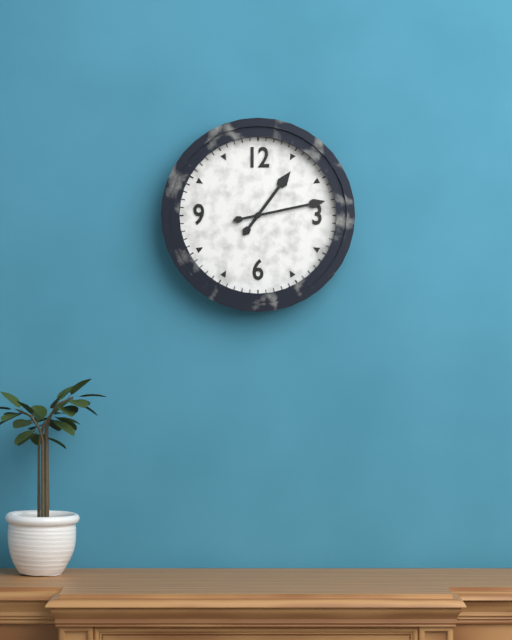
1:13
